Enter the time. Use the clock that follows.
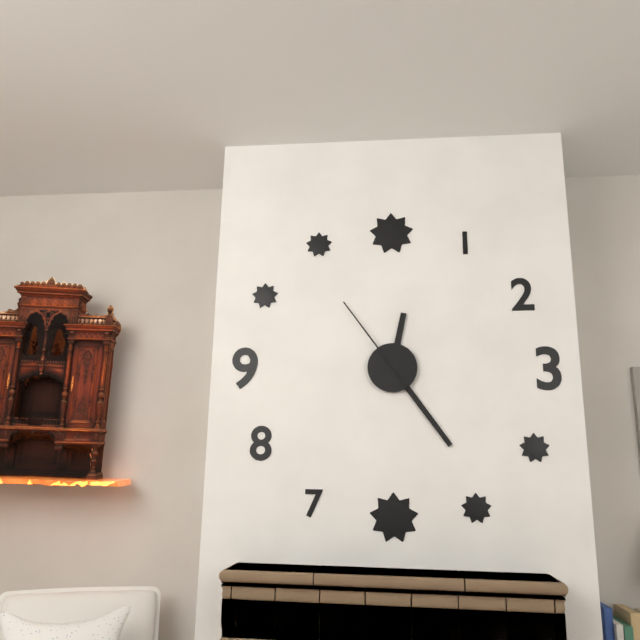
12:24:54
